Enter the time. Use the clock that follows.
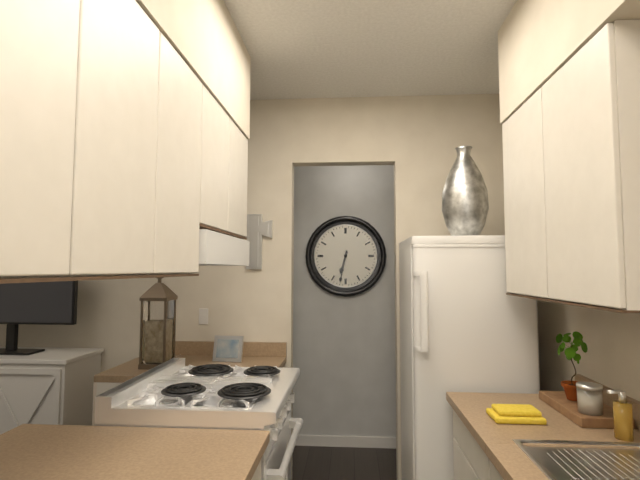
6:32
